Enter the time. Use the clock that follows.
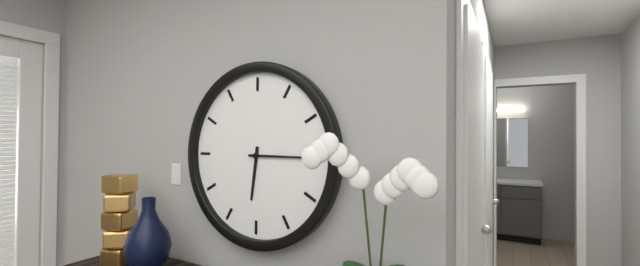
6:15
